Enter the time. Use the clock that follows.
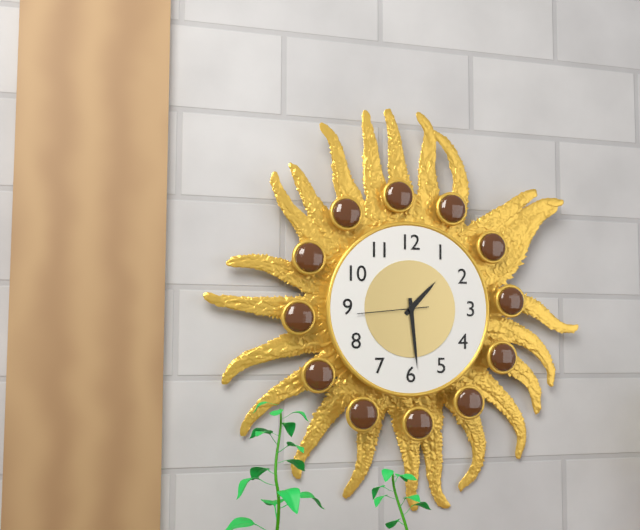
1:29:44
